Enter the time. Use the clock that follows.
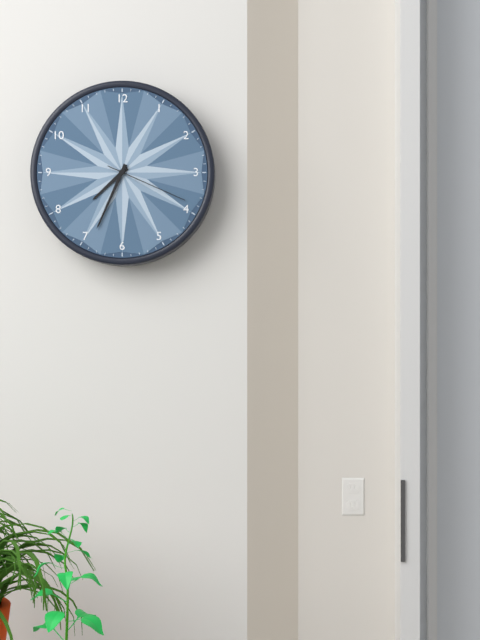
7:34:19
